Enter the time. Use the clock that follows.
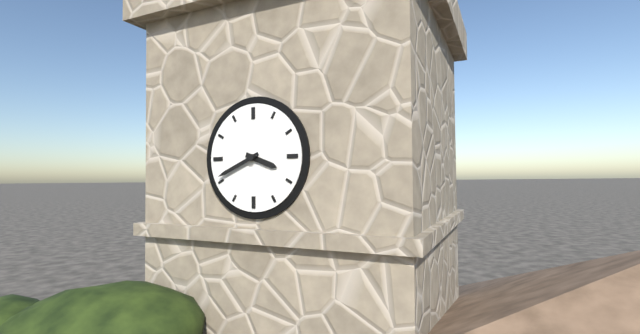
3:41
